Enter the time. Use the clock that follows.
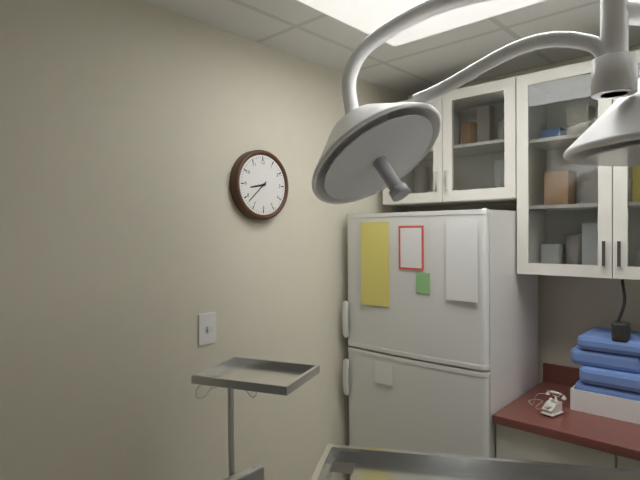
8:38
